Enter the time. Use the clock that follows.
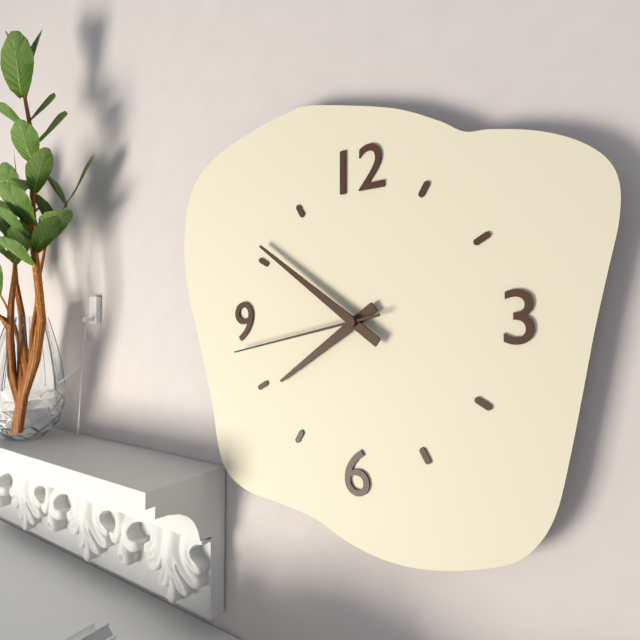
7:51:43
